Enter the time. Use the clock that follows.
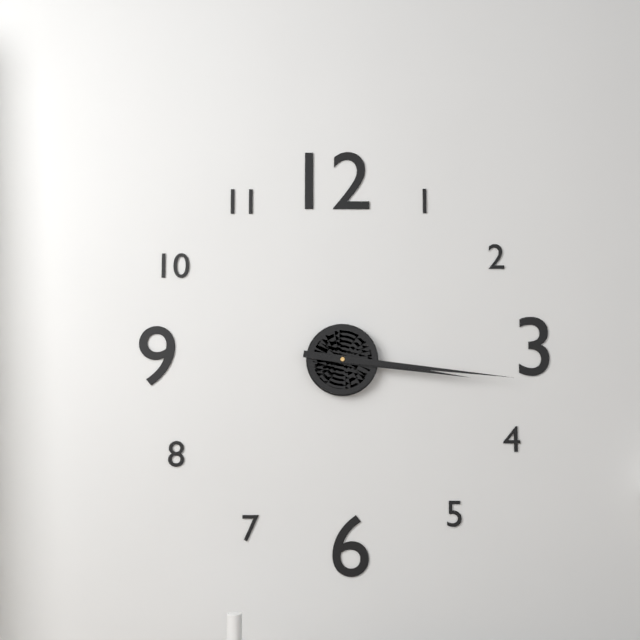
3:16
